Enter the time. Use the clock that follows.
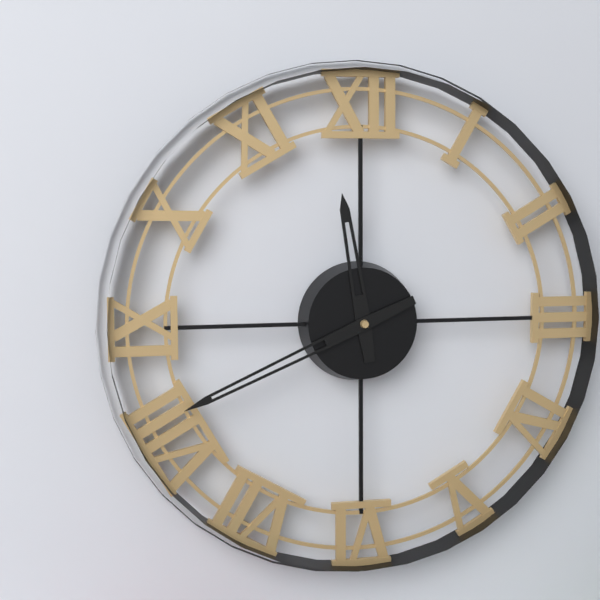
11:41
